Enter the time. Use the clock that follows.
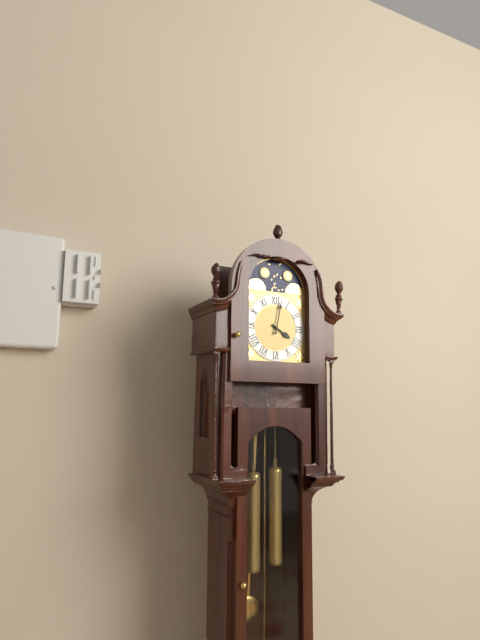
4:02
